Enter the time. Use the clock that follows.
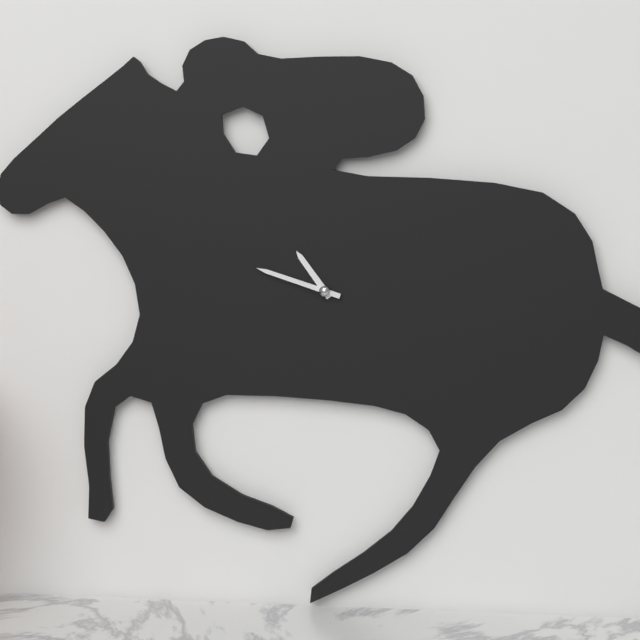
10:48
